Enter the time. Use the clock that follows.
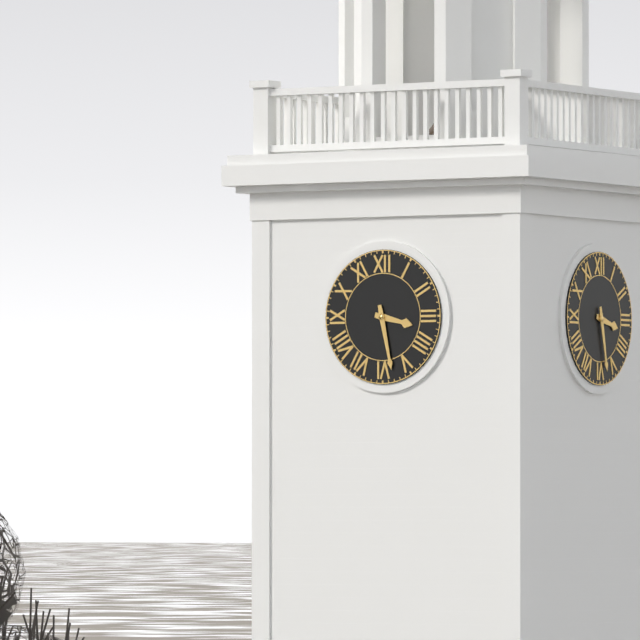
3:28
